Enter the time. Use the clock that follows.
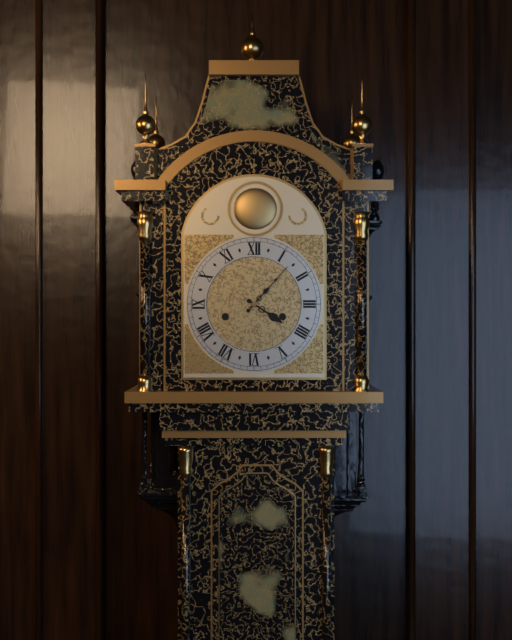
4:07
